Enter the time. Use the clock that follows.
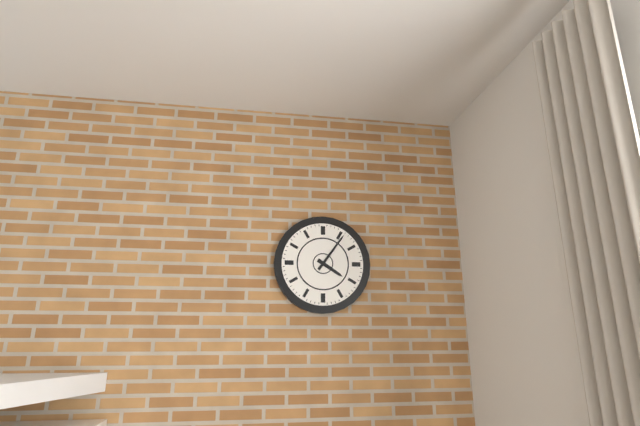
4:06
